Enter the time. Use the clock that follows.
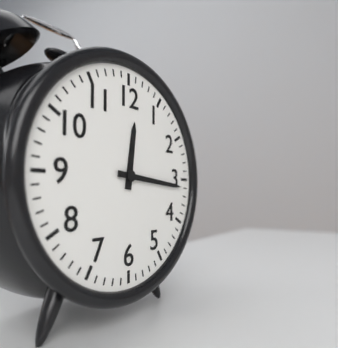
12:16
